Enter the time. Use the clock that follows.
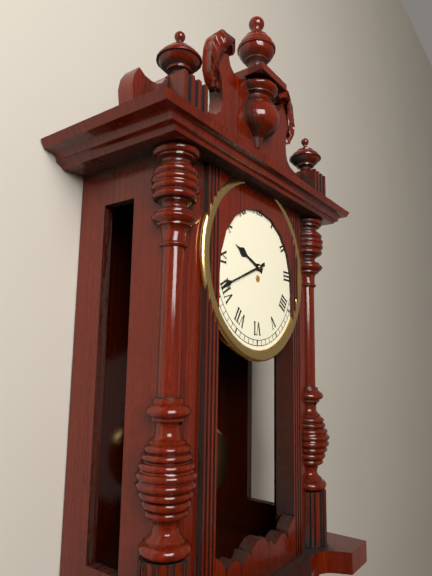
9:41
